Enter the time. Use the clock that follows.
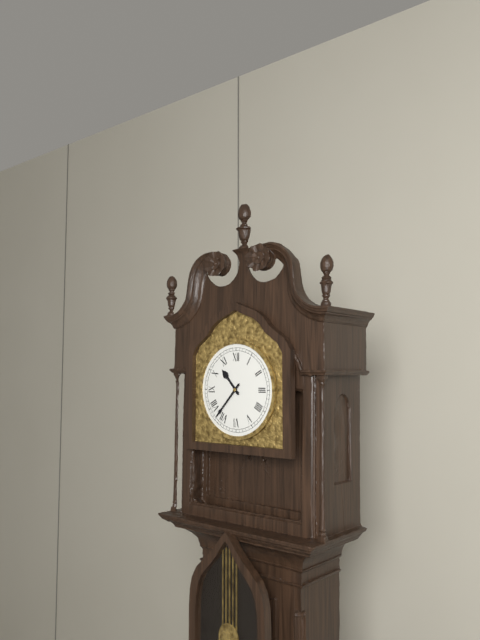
10:37
